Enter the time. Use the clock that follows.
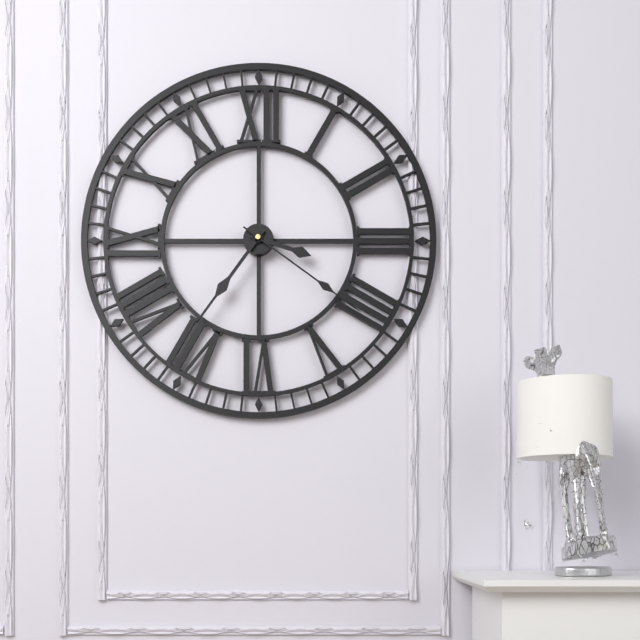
3:36:21
